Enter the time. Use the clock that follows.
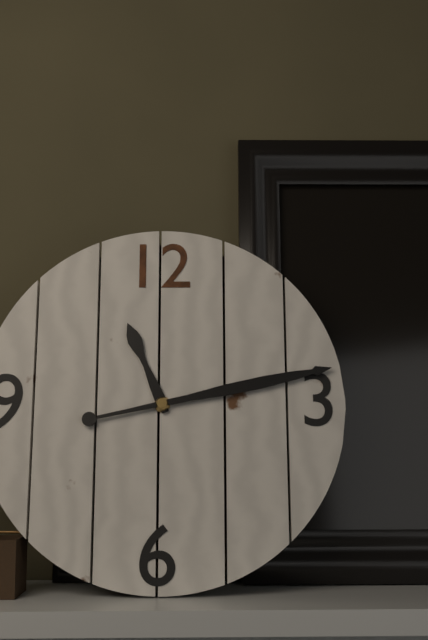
11:13
